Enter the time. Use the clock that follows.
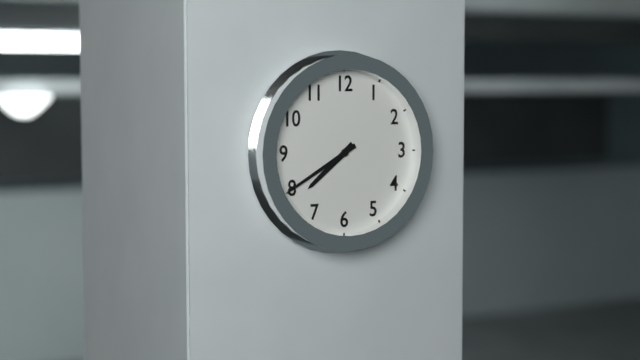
7:40
